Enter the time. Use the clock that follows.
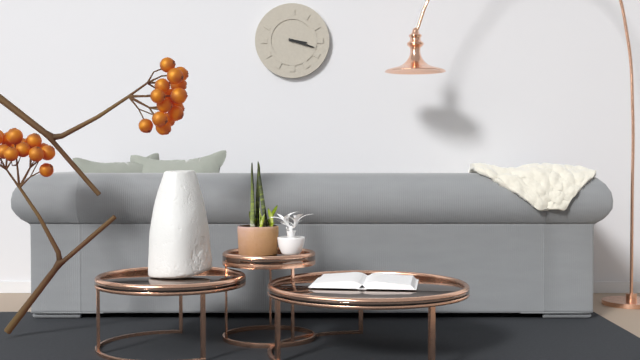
3:18
